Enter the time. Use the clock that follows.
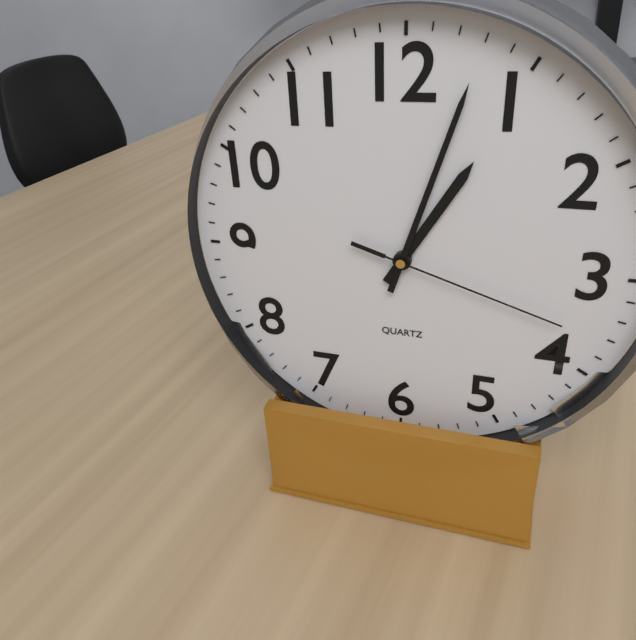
1:03:18
